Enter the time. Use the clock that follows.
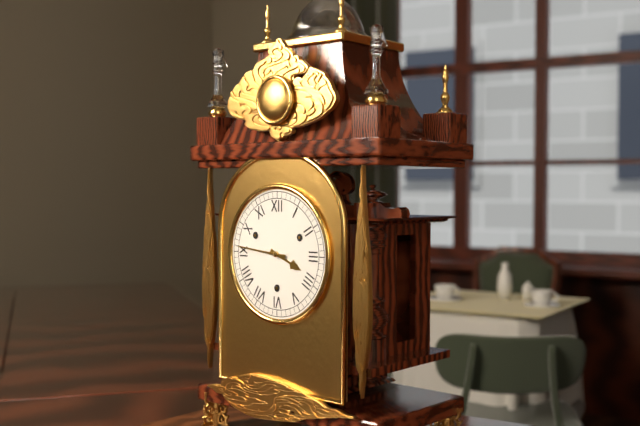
3:46
